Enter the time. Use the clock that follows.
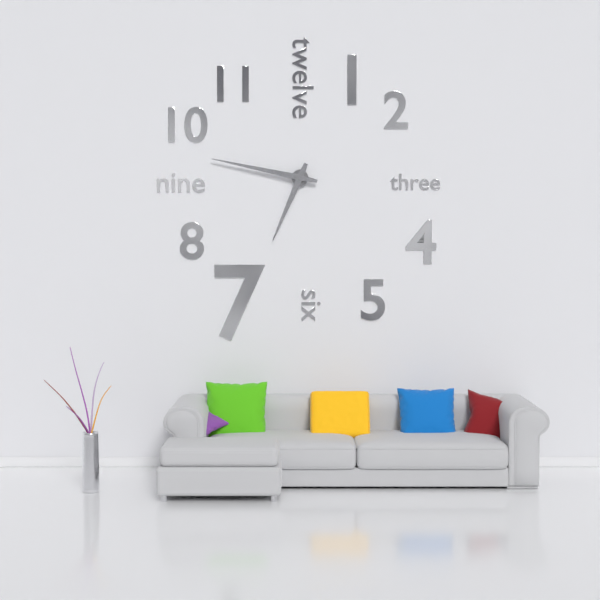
6:47
